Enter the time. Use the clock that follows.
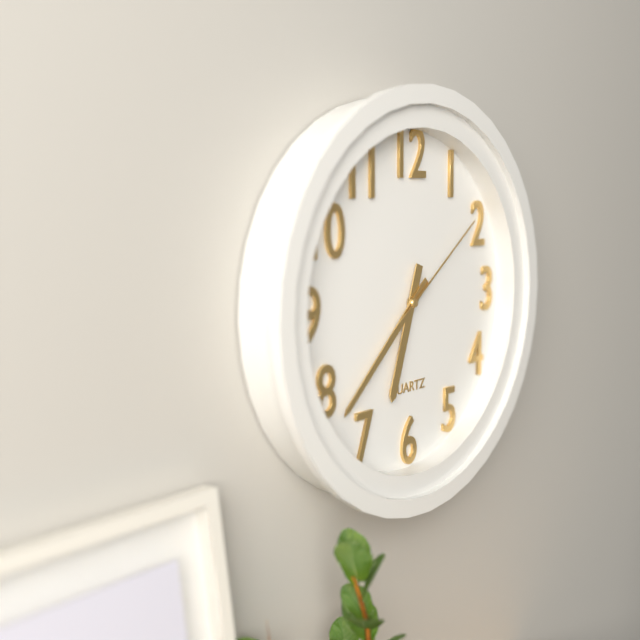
6:38:09
